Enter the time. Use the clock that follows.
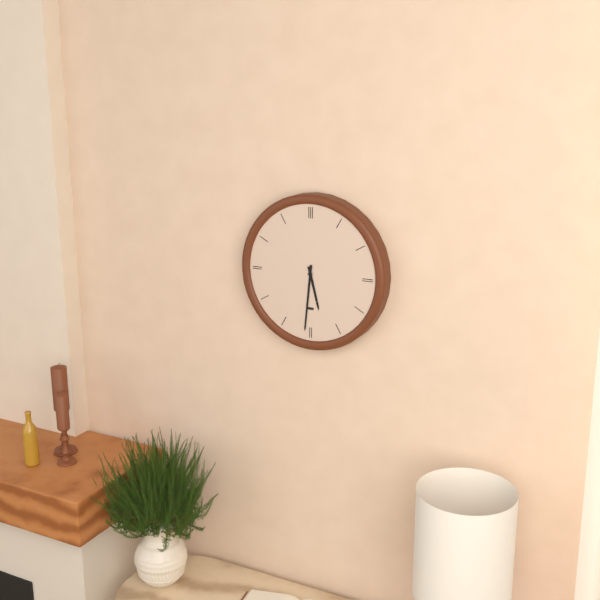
5:31
